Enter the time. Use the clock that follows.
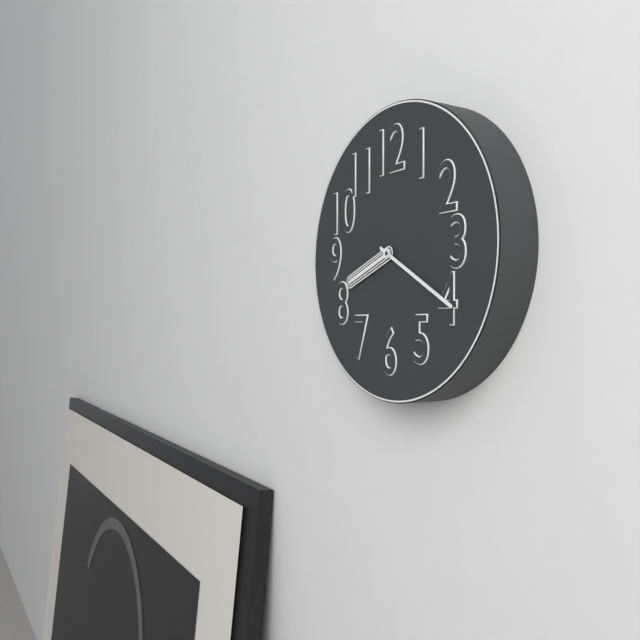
8:20
